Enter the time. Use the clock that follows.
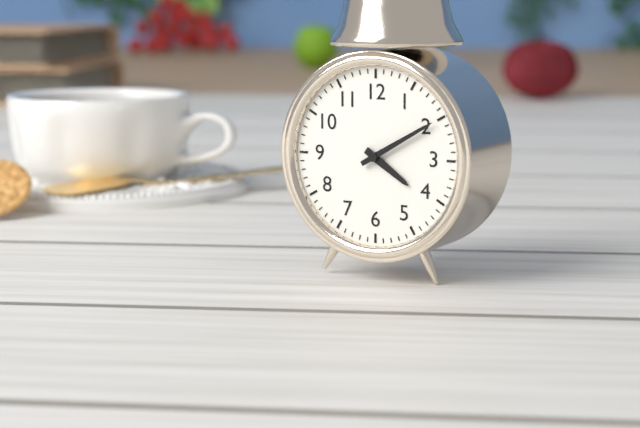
4:10
